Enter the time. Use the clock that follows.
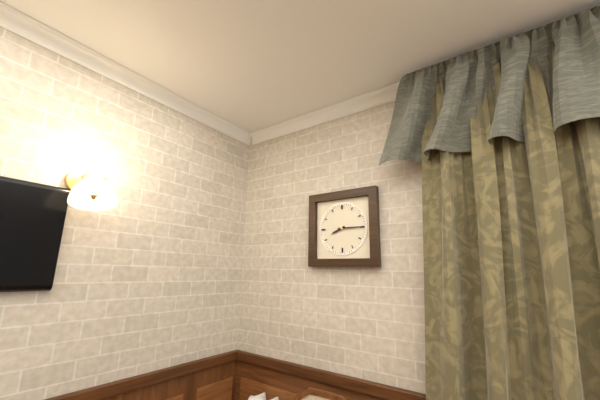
8:15
